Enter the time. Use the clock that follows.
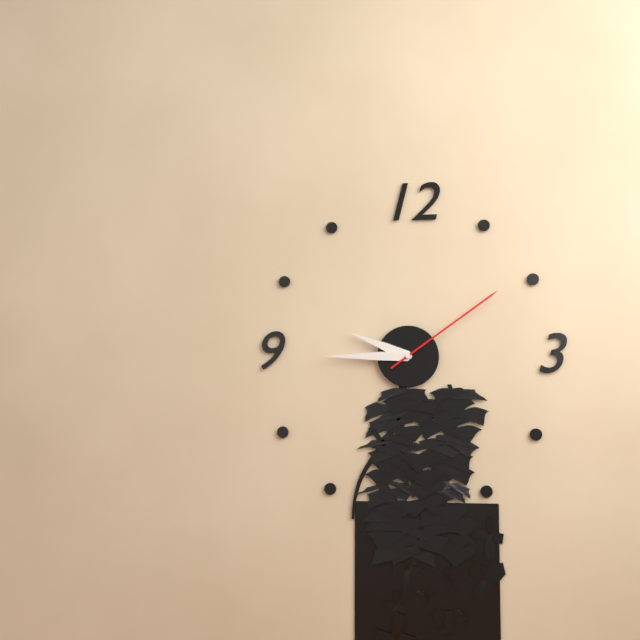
9:45:09
